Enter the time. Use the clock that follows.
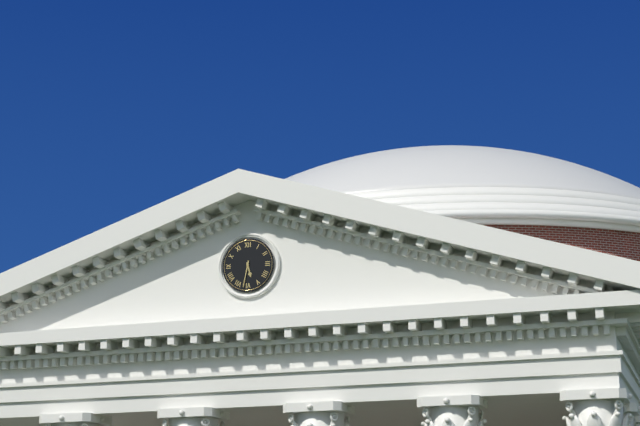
5:32
